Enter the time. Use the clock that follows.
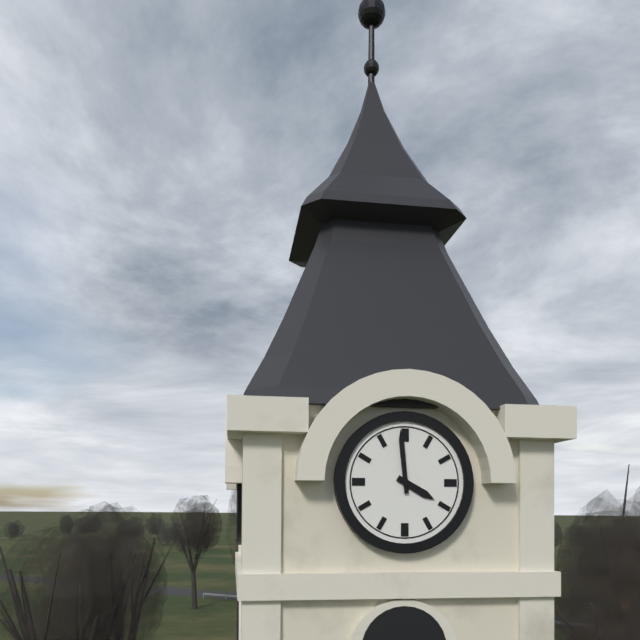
3:59
